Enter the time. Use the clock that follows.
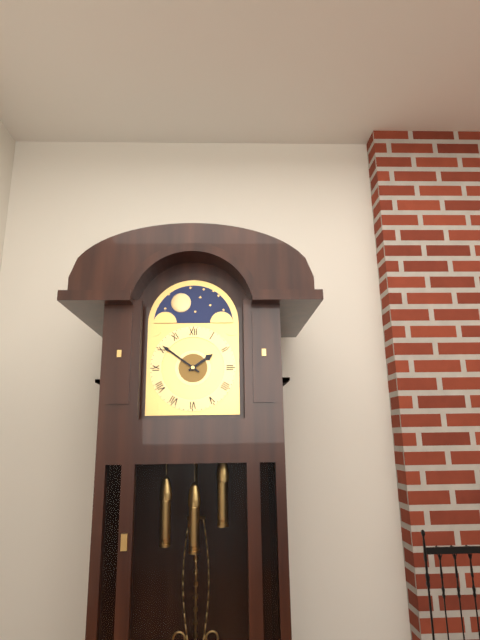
1:51
